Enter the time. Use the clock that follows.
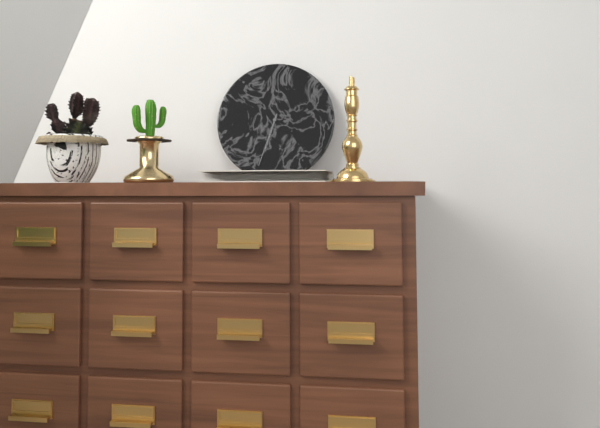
6:33
